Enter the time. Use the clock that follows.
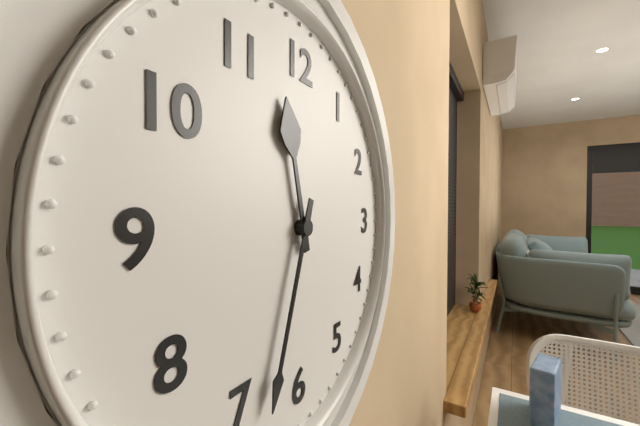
11:33
